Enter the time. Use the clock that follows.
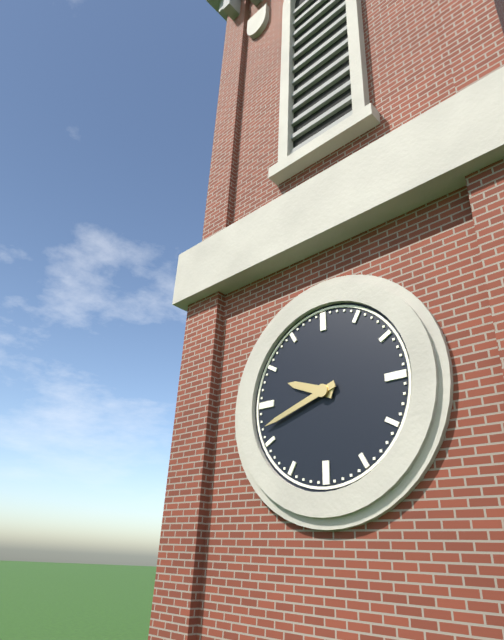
9:42
